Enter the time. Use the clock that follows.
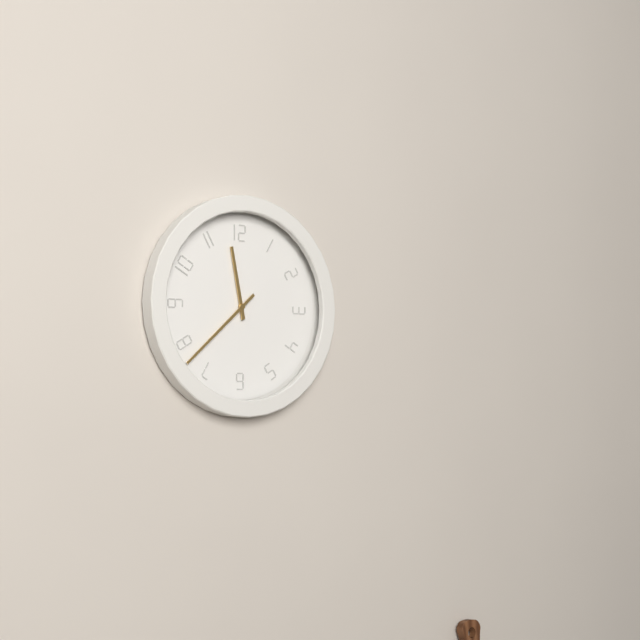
11:38
